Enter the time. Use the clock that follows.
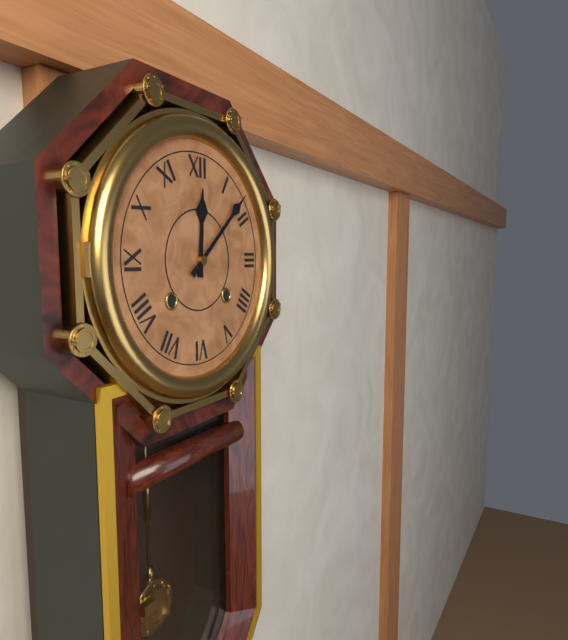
12:08
